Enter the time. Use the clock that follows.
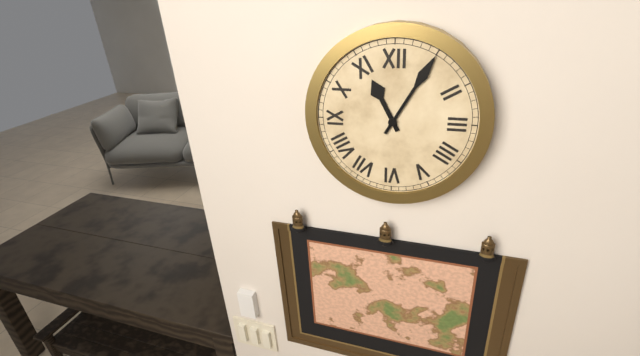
11:05
